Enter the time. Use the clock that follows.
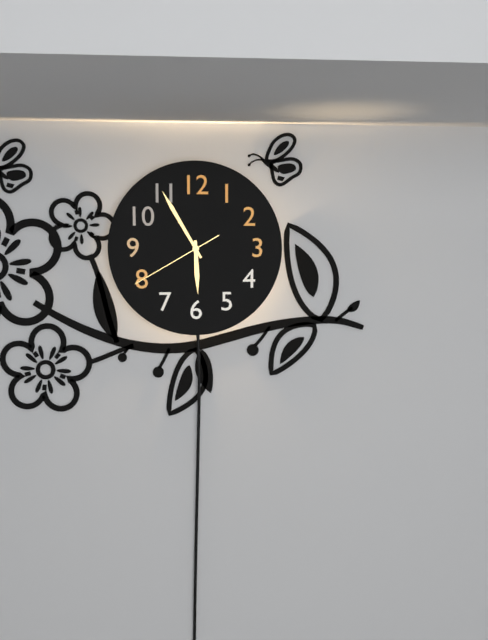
5:55:40
